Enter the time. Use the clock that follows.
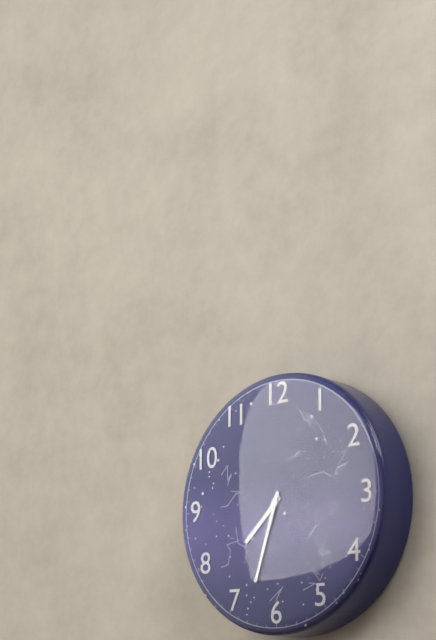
7:33
